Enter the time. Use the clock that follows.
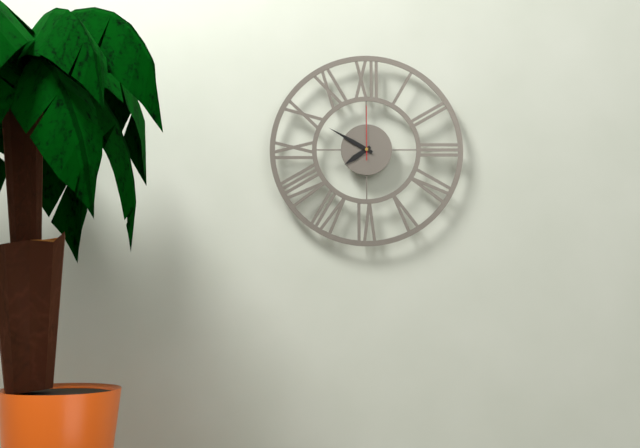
7:50:00
